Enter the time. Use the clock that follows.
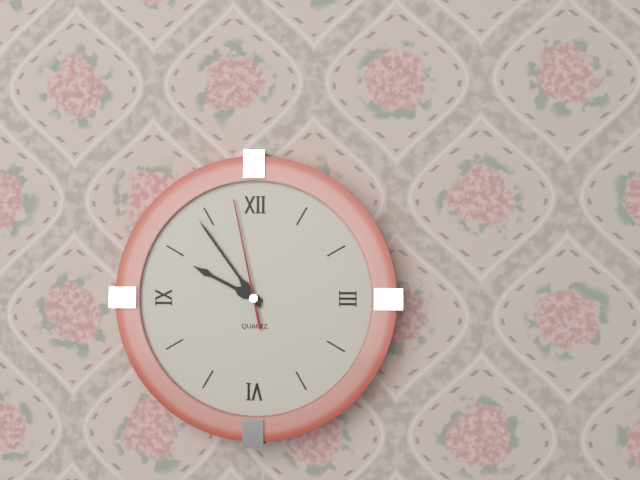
9:54:58
